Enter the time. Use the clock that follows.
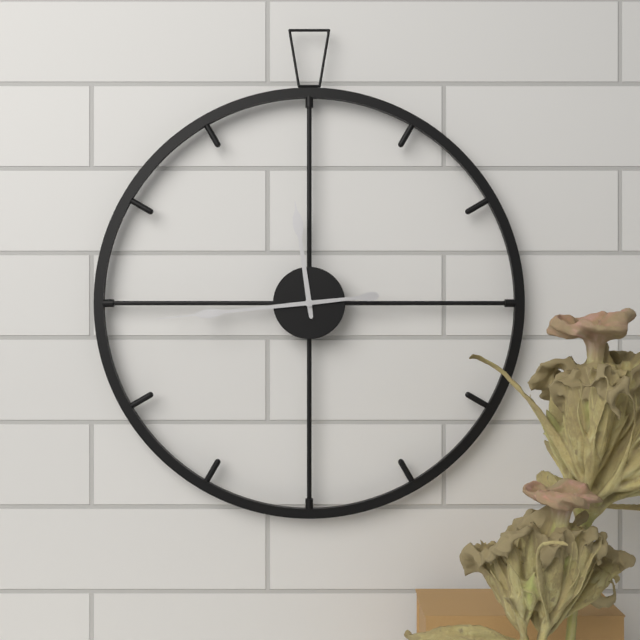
11:44
